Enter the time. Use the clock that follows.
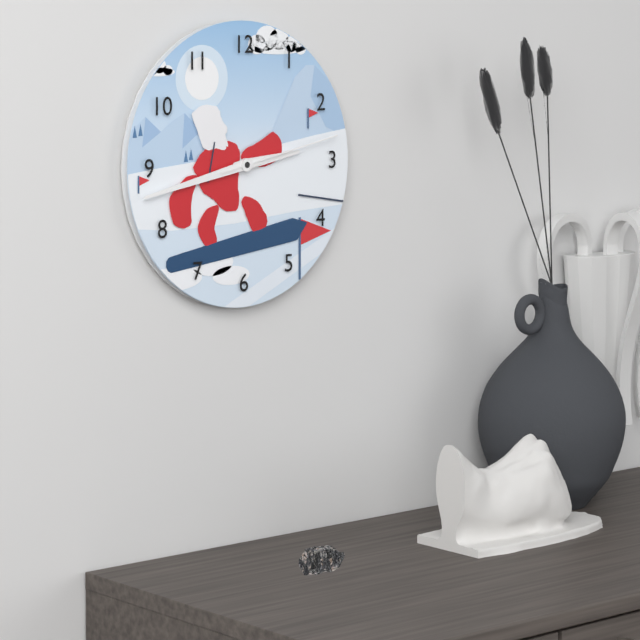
2:43:13
